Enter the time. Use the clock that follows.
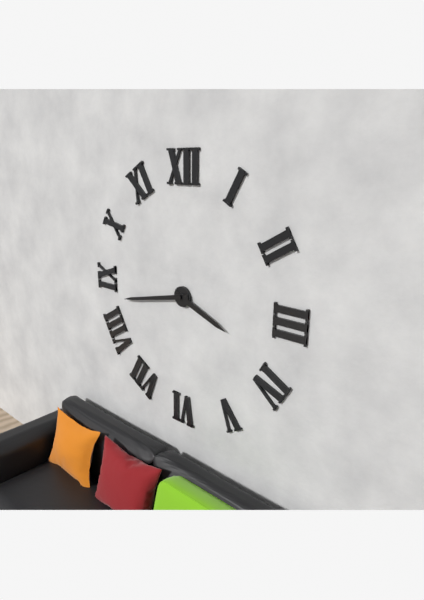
3:43
